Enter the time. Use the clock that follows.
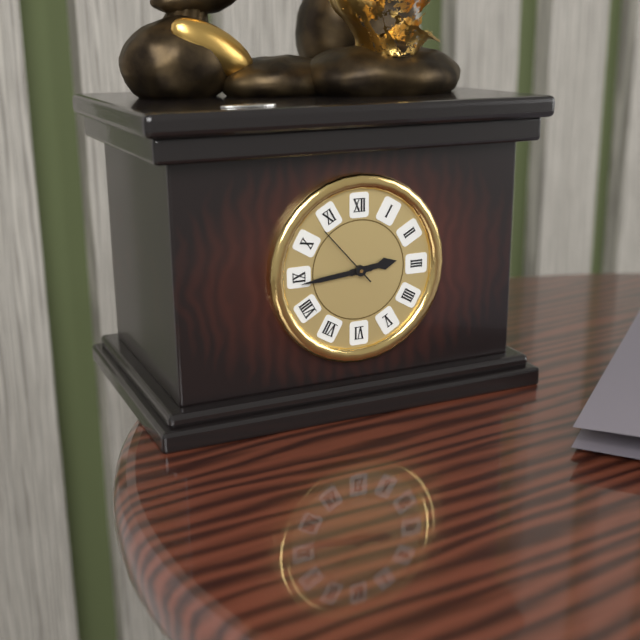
2:44:53
